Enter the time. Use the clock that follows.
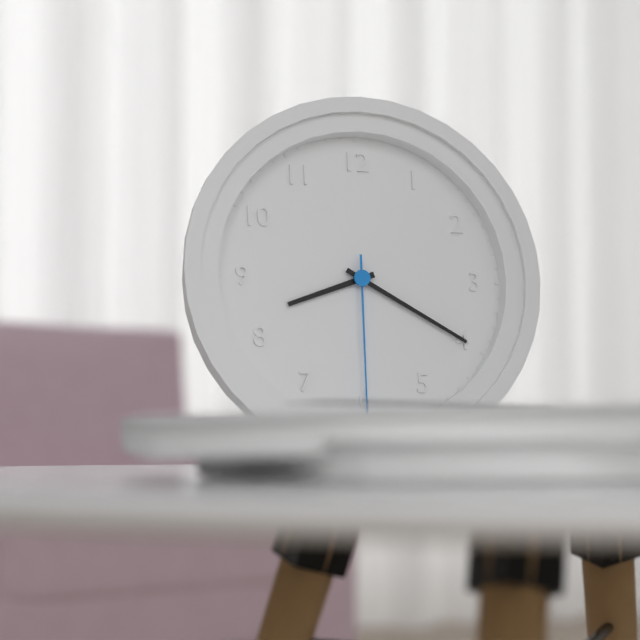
8:20:30
